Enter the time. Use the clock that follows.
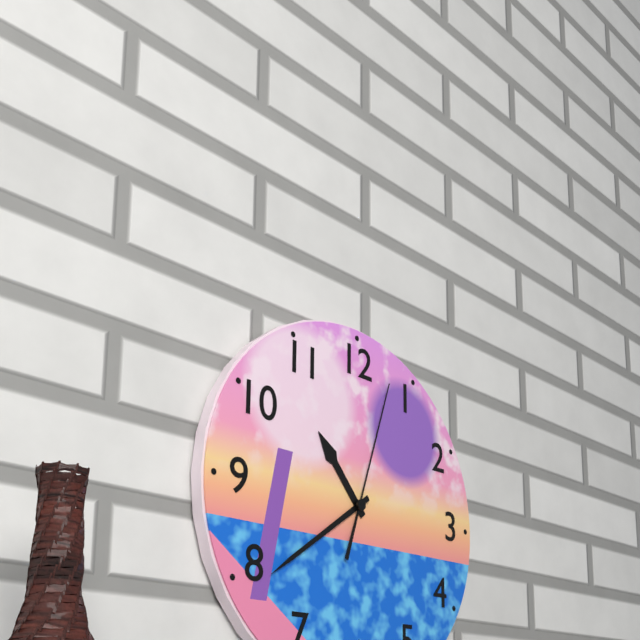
10:39:03
